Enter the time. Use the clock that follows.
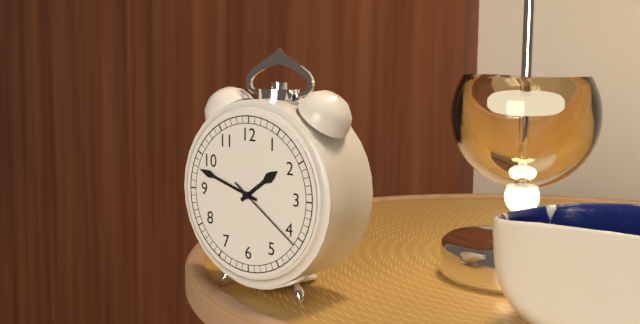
1:48:21
